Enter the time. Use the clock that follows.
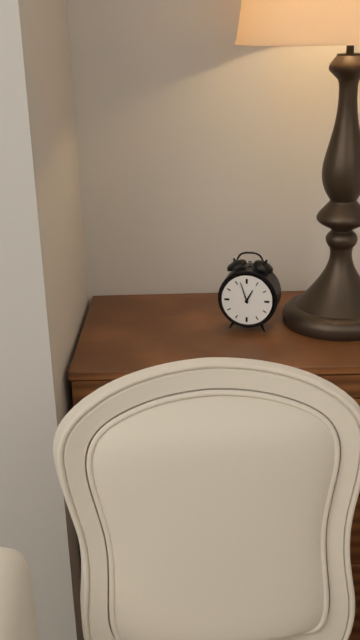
12:57
